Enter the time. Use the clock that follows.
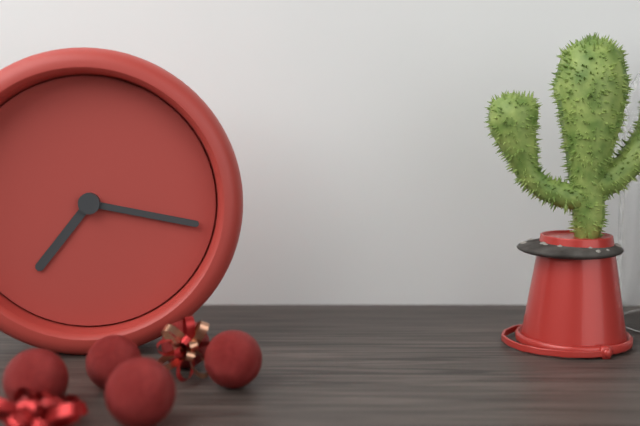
7:17
